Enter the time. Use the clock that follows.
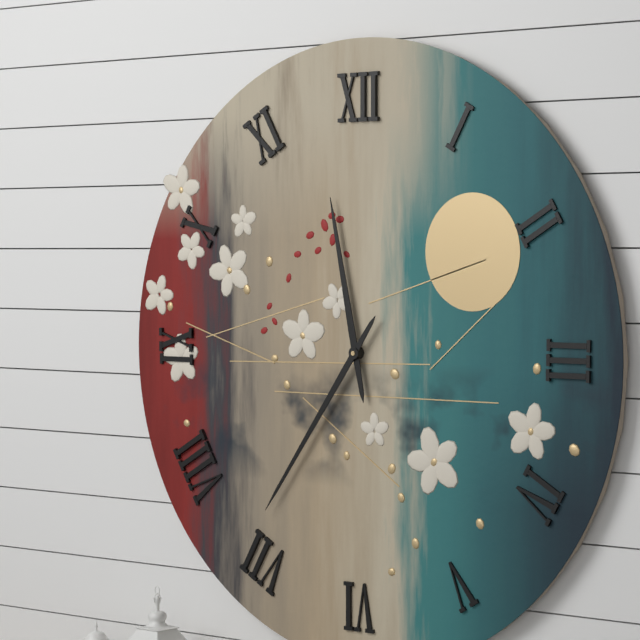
11:36
